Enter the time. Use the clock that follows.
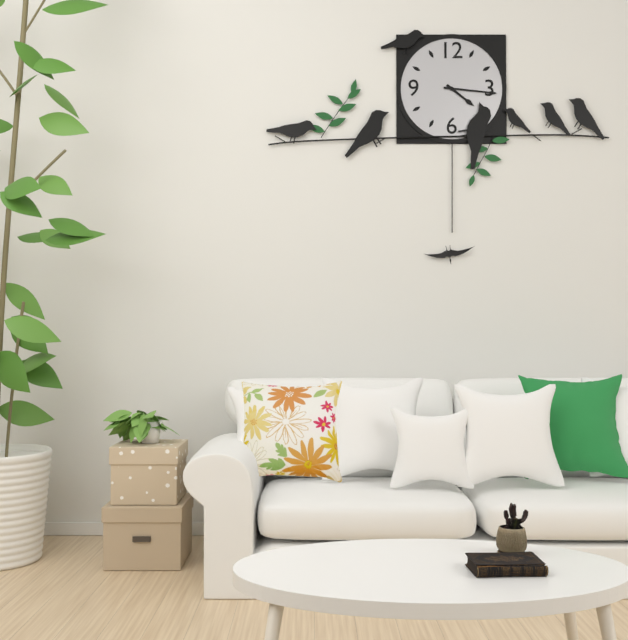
4:16
